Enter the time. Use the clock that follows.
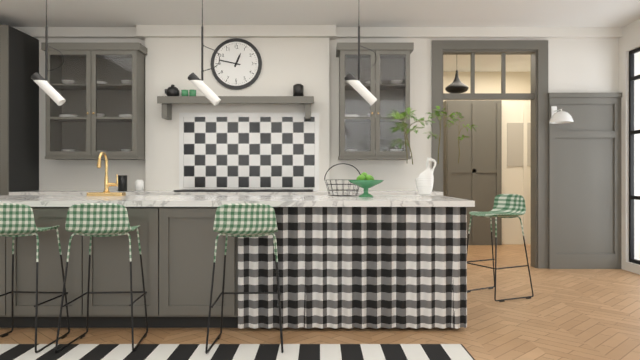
12:47
